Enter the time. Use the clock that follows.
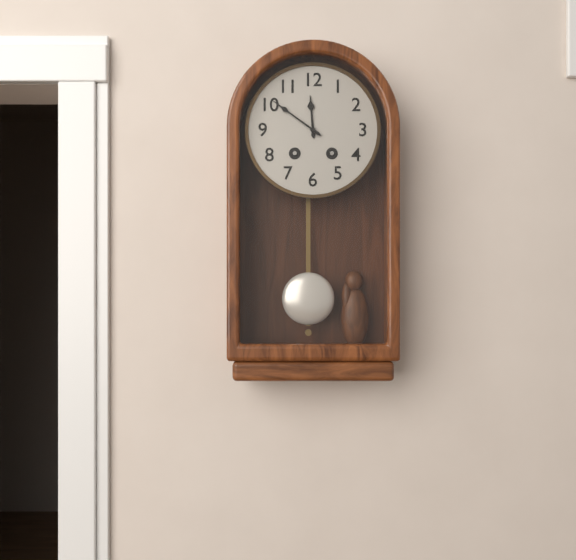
11:51
